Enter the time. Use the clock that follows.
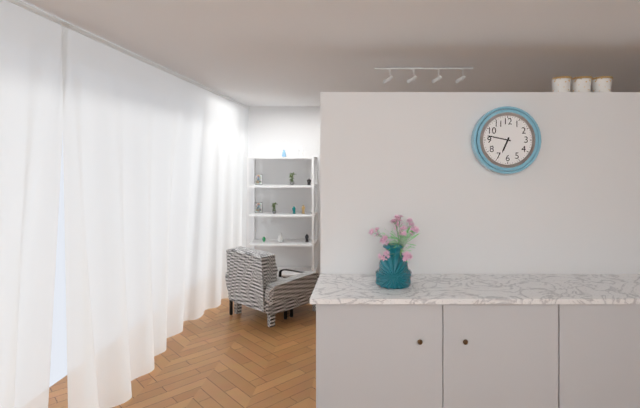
6:47
